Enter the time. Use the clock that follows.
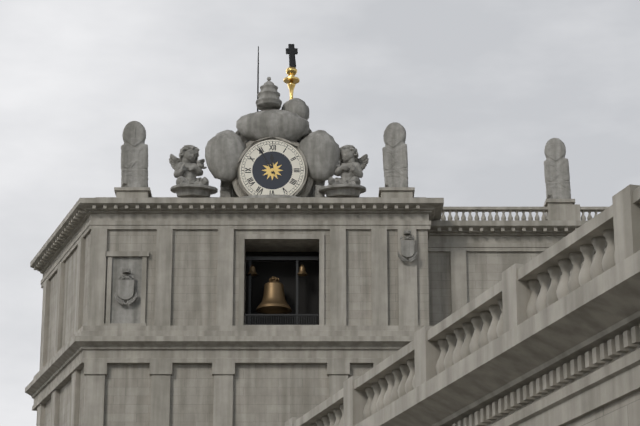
11:55
